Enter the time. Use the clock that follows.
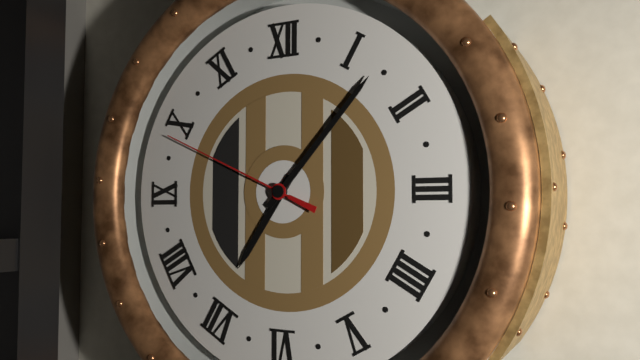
7:07:49
